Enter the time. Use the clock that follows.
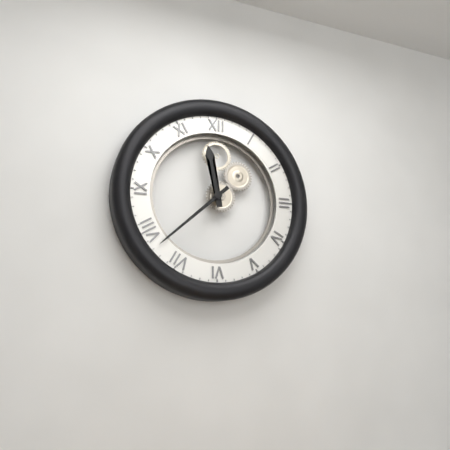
11:38
